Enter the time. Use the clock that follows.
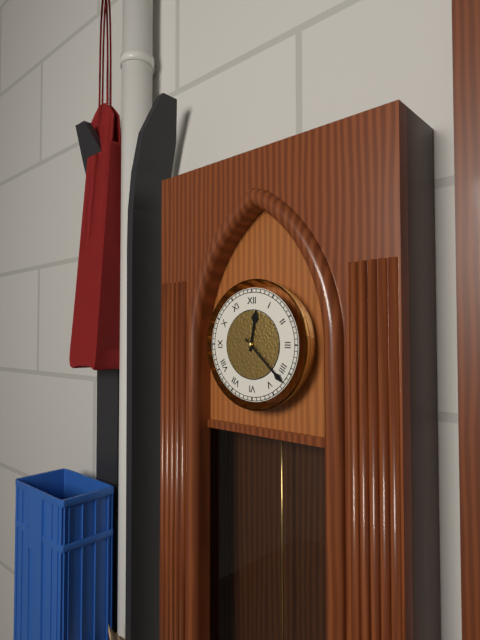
12:22
